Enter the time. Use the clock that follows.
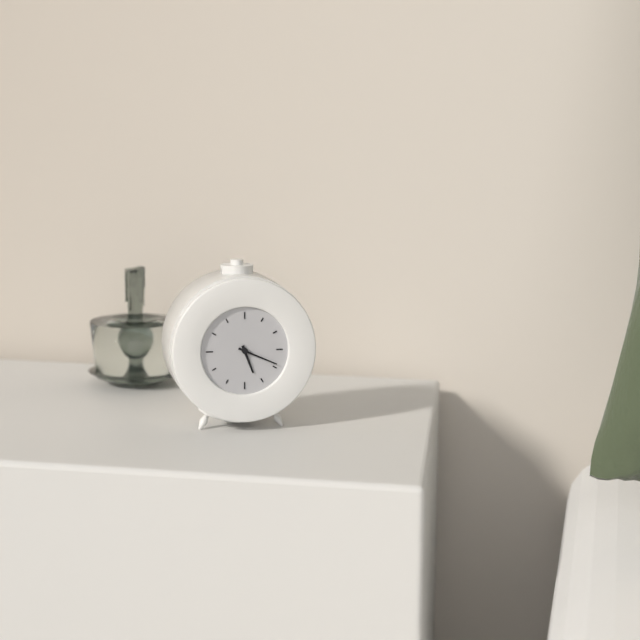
5:19
